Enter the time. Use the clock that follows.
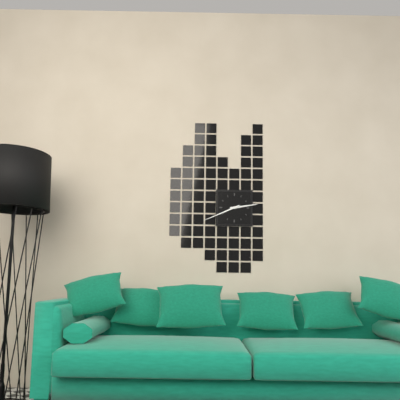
2:41
